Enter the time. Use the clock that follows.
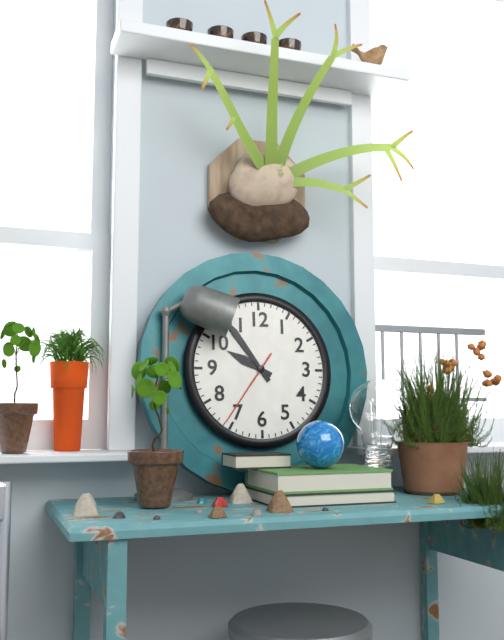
9:54:36
